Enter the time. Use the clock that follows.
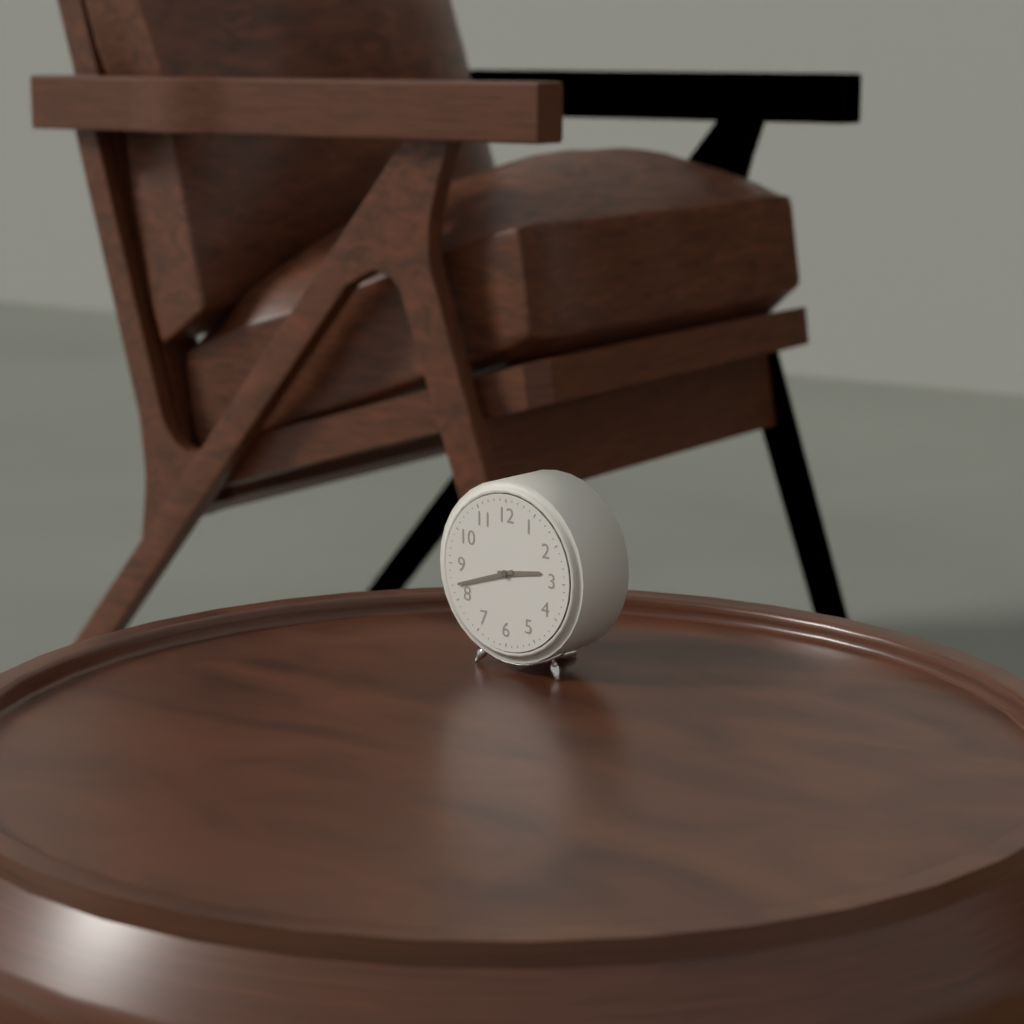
2:42
